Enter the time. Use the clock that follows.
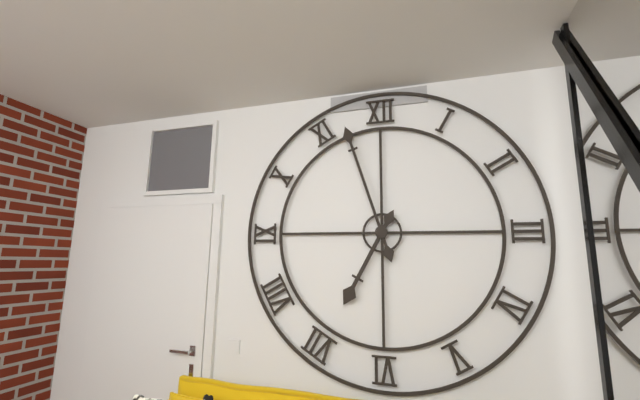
6:57
